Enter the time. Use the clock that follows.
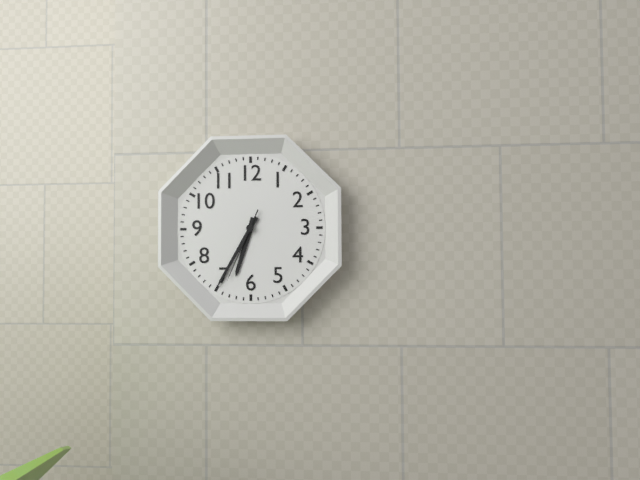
6:35:34
